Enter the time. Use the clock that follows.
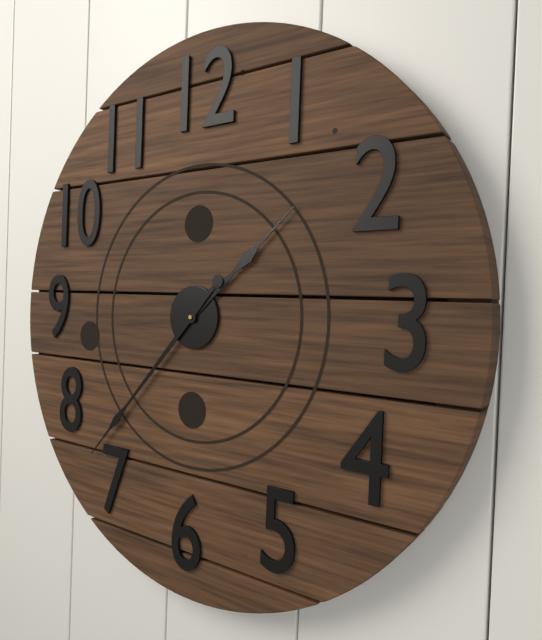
1:37
